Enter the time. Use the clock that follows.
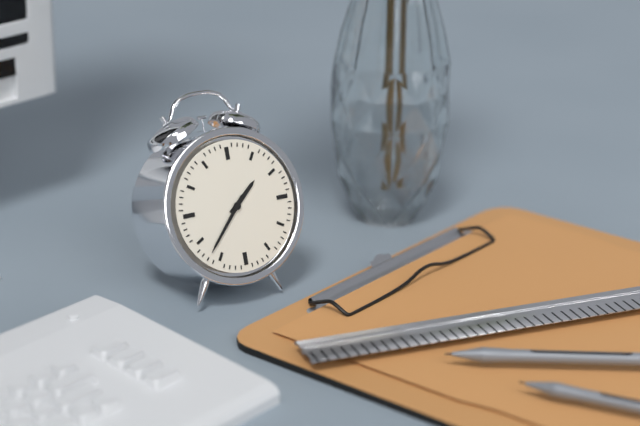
1:37
